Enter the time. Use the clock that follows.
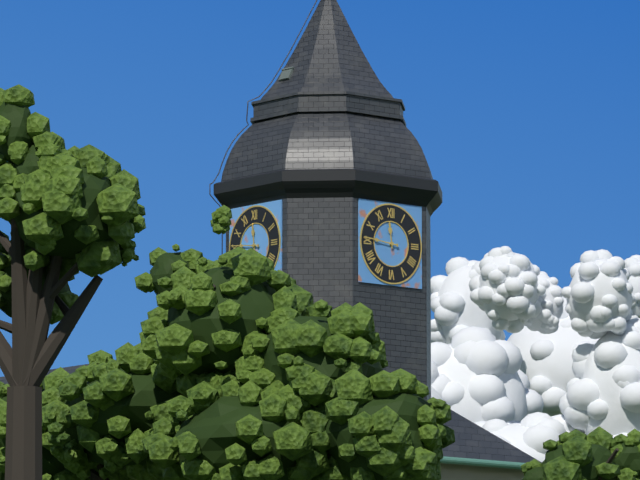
11:46
